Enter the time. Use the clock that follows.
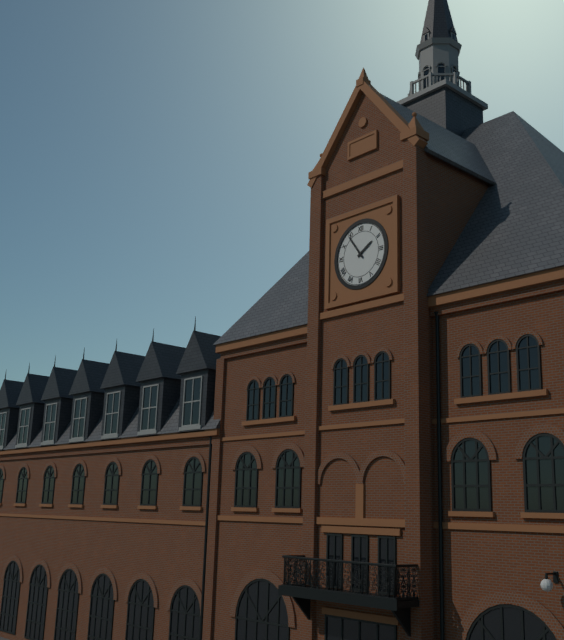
1:54
